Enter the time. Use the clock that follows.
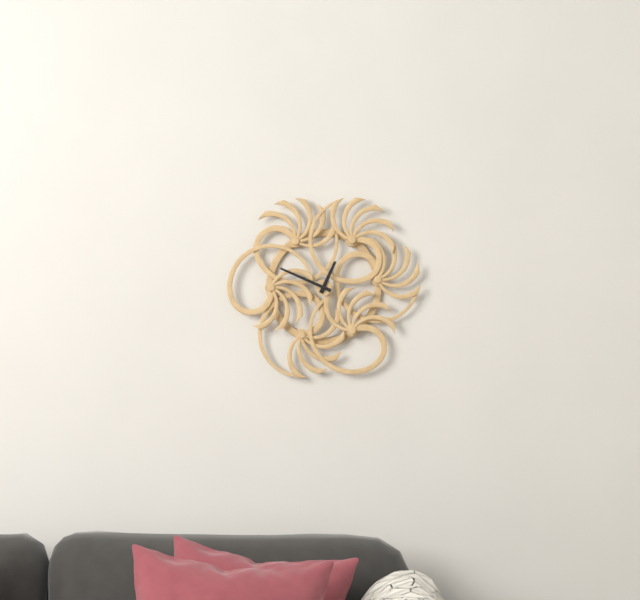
12:49
